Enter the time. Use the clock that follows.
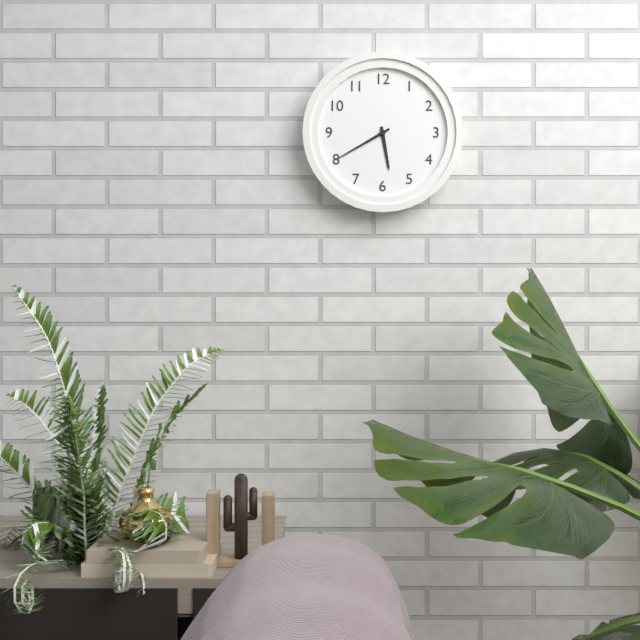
5:40
